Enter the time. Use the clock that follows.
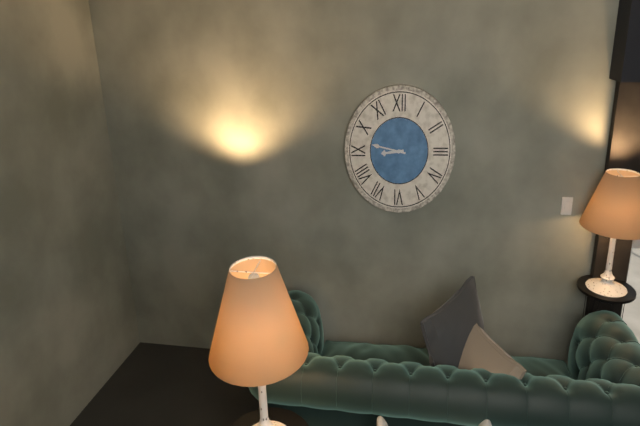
8:47
